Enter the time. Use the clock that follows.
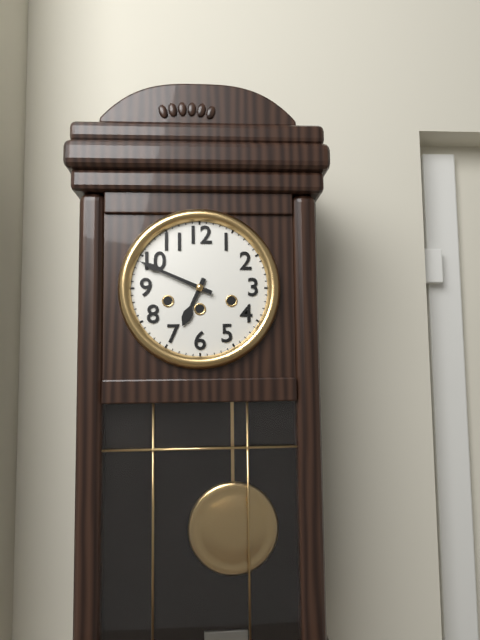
6:49
